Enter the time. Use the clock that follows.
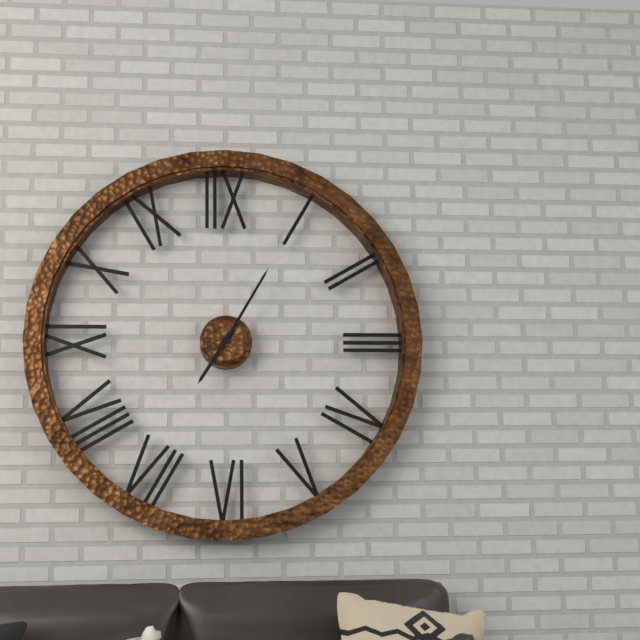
7:05
